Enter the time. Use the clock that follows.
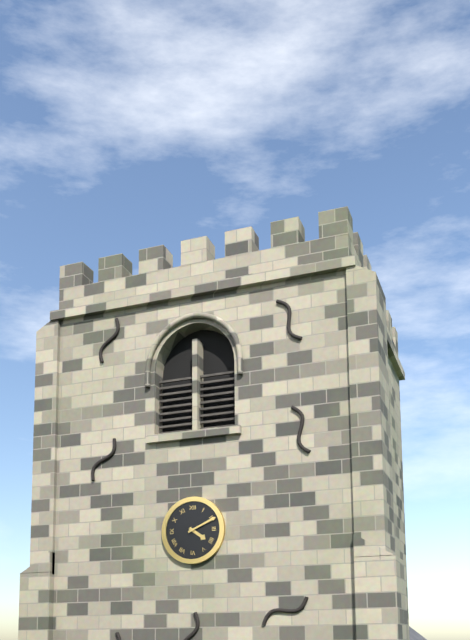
4:11
